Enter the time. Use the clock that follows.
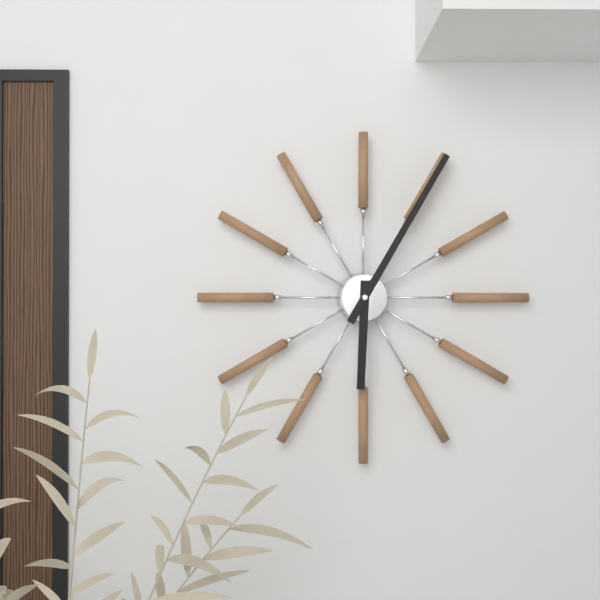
6:05
